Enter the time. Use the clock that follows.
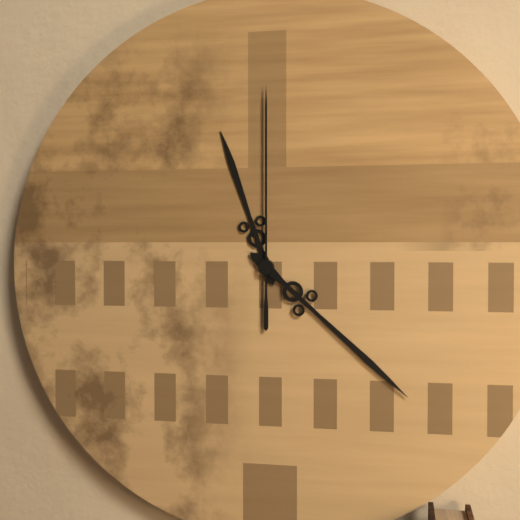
11:22:00
